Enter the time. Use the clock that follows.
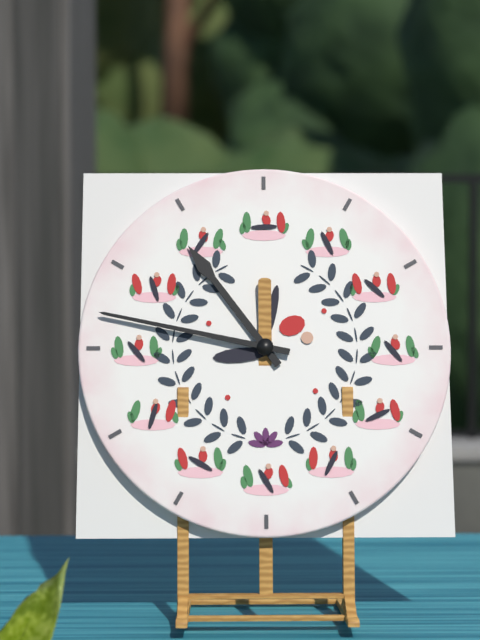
10:47
